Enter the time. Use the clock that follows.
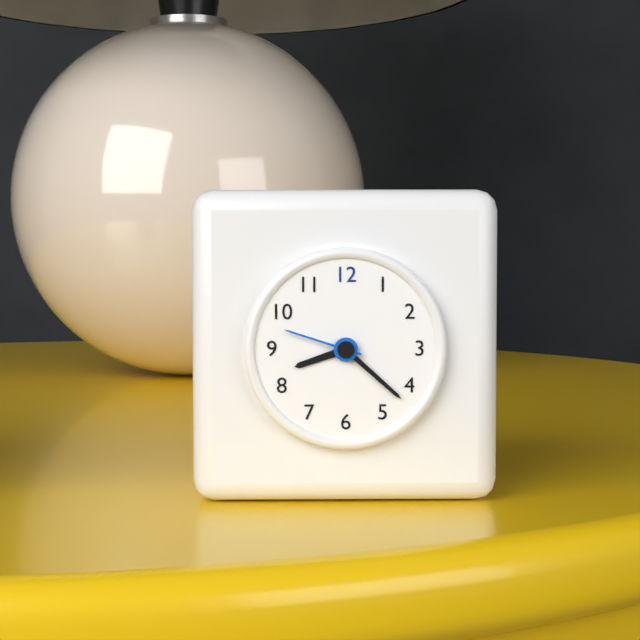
8:22:48
